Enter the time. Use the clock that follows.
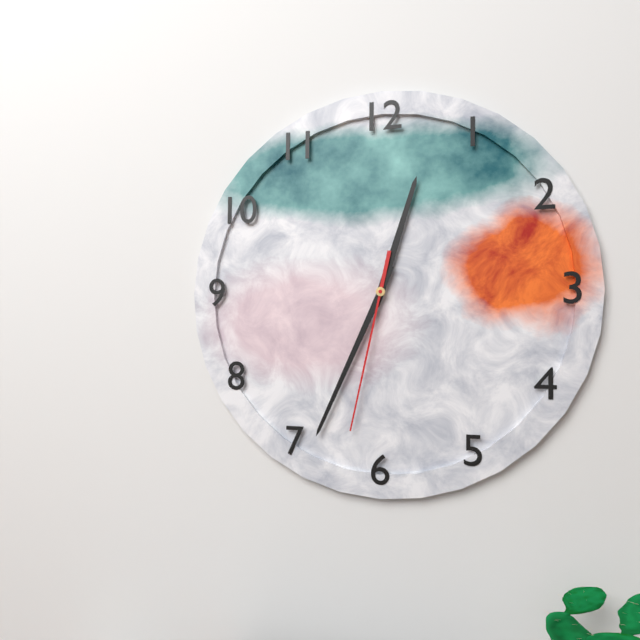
12:34:32
